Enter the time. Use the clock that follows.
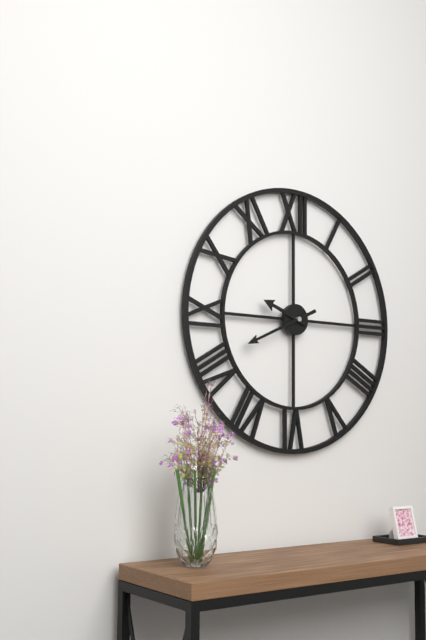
9:41
